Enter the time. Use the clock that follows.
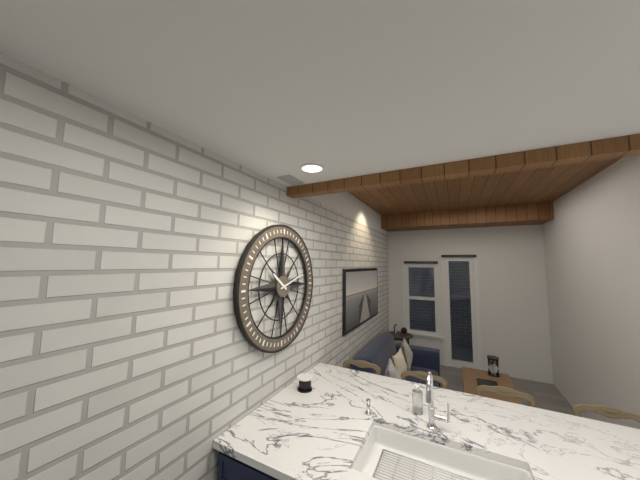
10:12
